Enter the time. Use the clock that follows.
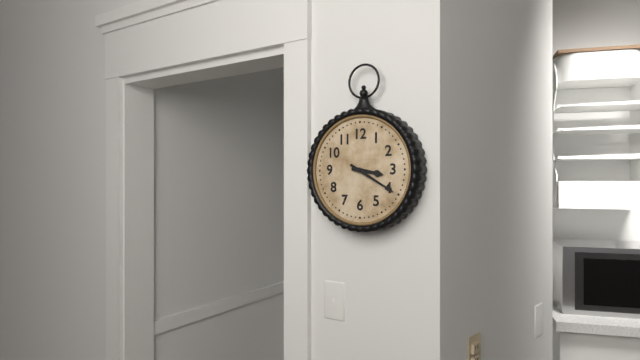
3:20
